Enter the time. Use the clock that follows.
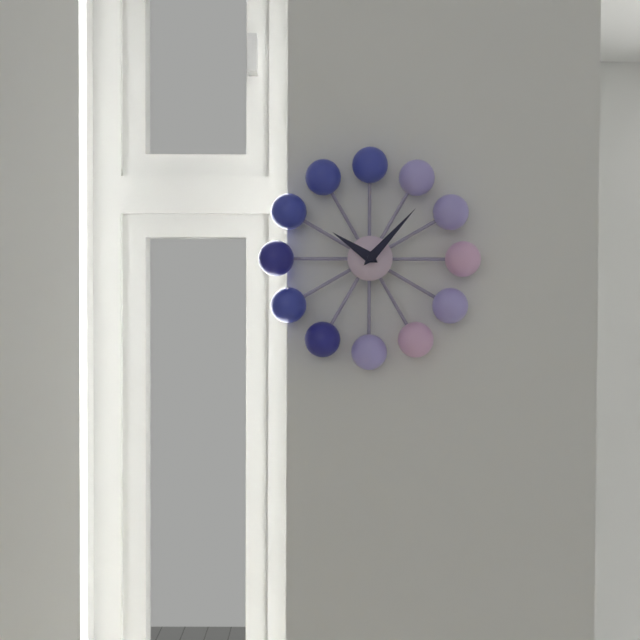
10:07
